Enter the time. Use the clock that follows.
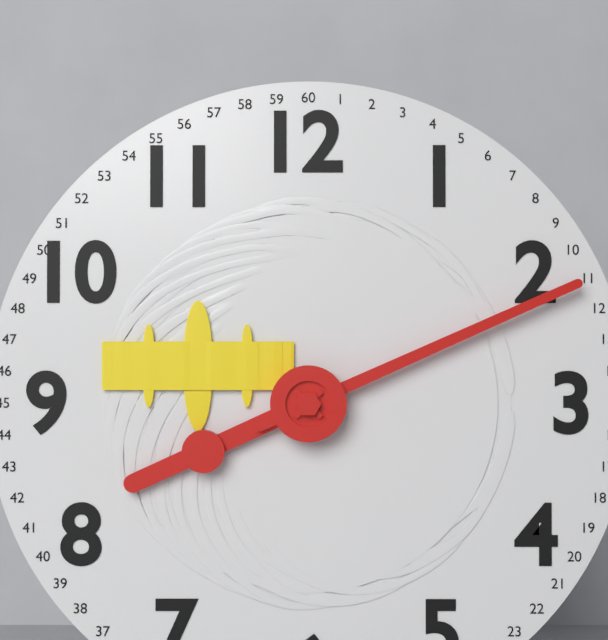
8:11
